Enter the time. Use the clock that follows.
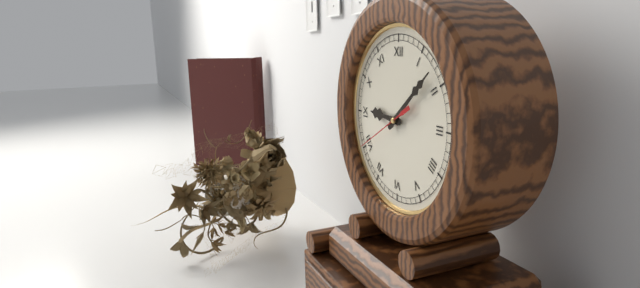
9:08:40
